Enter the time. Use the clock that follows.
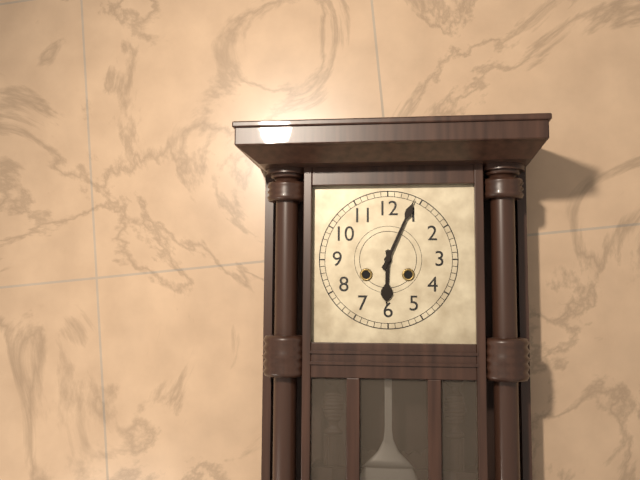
6:04
